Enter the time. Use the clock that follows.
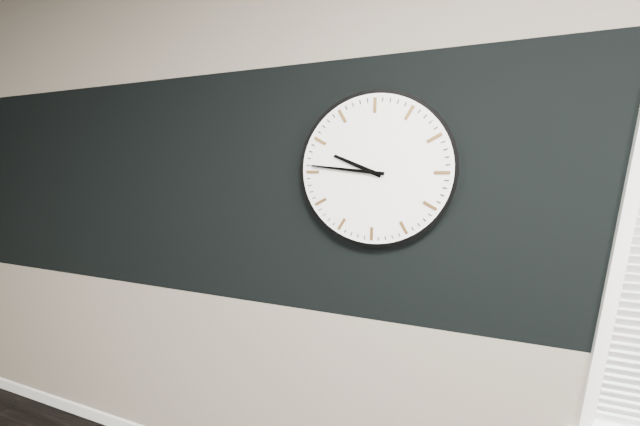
9:46
